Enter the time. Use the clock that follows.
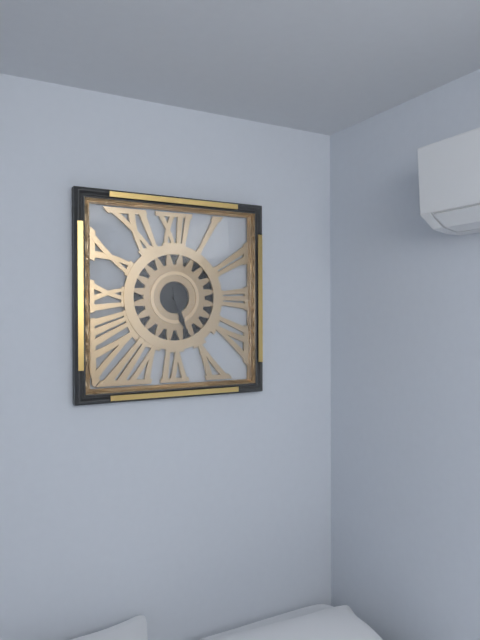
5:27
